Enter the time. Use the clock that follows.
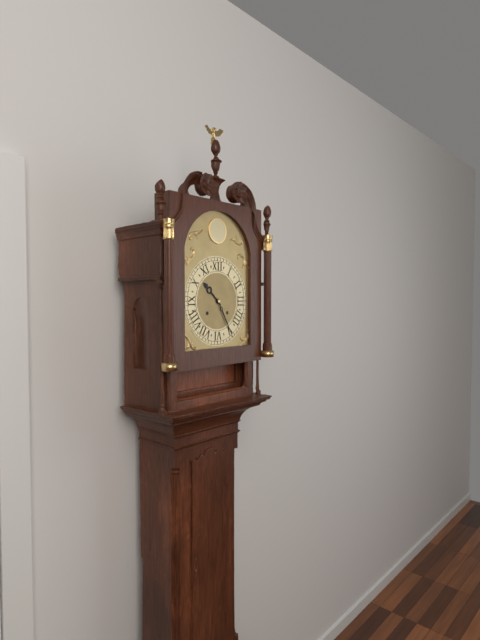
10:25
